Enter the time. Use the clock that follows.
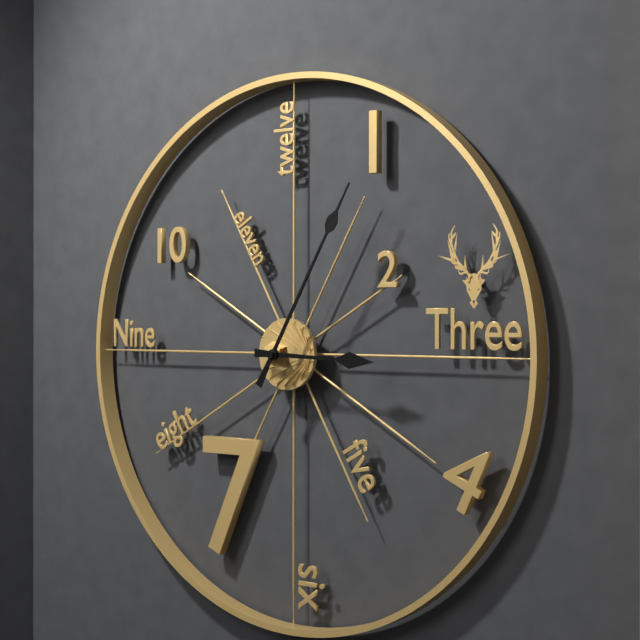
3:05
